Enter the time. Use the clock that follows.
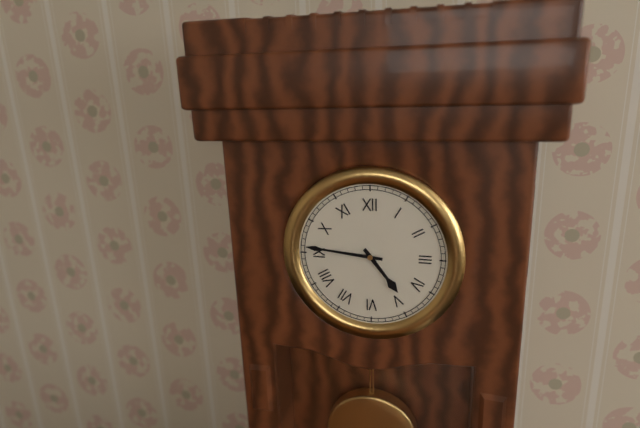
4:46
